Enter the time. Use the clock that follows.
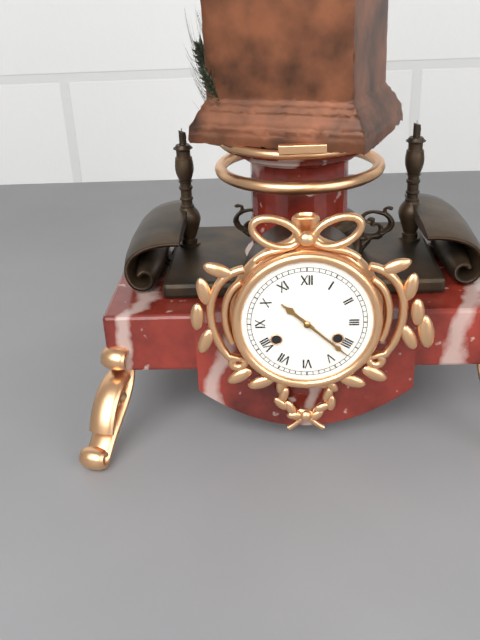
10:22
